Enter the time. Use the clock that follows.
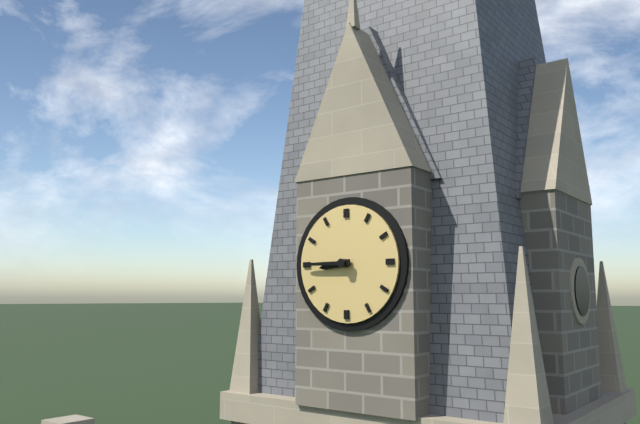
8:45
